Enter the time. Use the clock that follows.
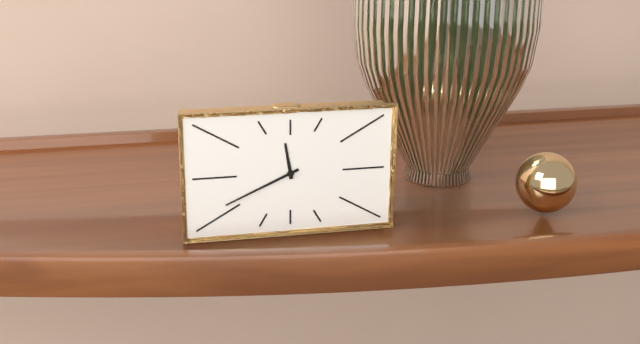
11:41
